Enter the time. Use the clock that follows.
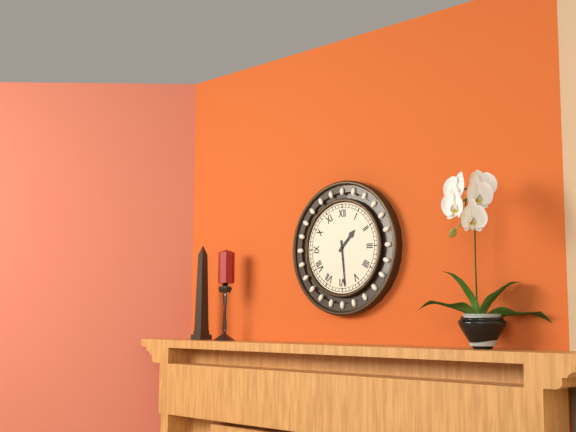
1:29
